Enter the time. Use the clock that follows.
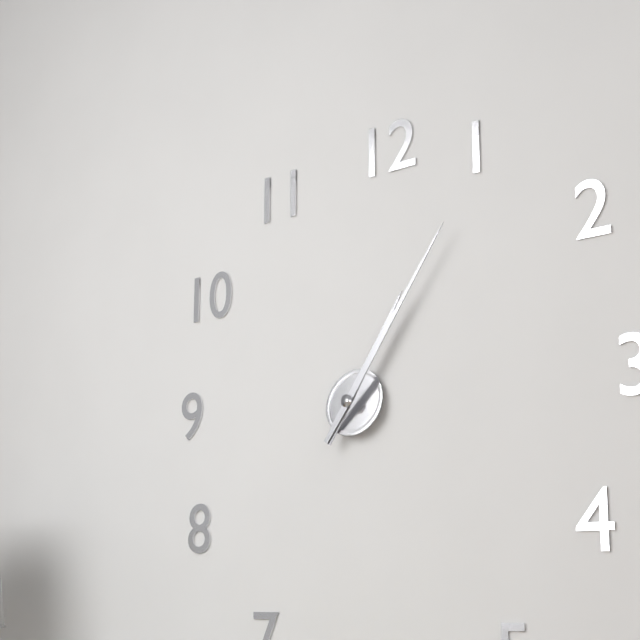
1:06
